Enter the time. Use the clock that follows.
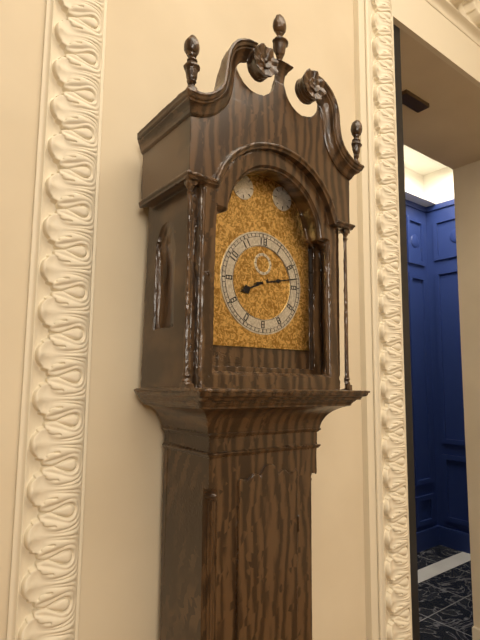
8:13
